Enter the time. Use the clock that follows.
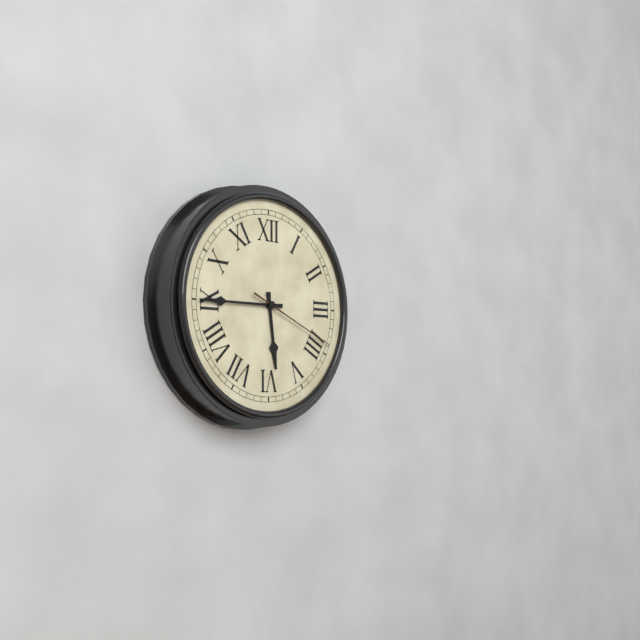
5:45:19
